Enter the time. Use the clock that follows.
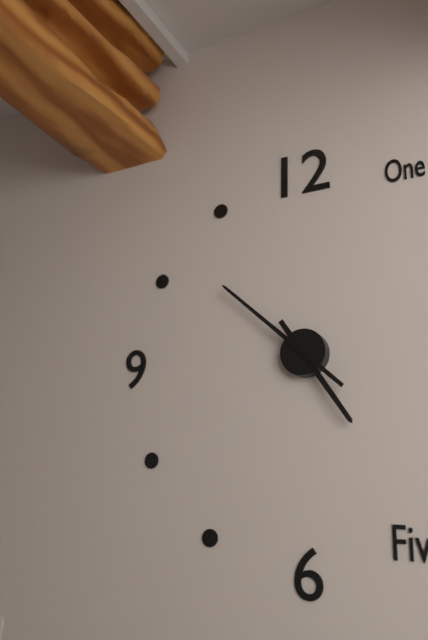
4:52
